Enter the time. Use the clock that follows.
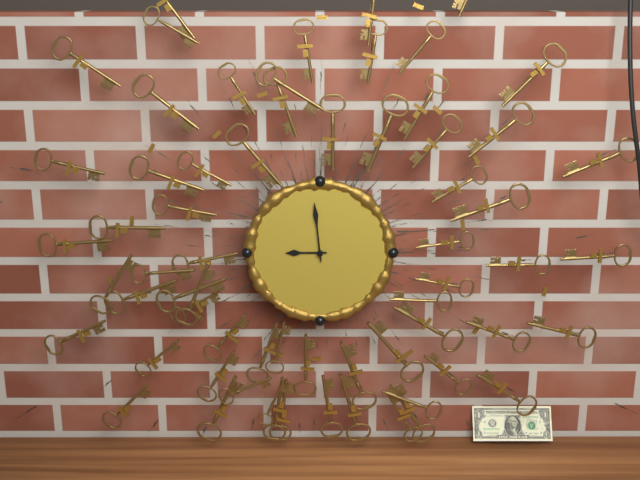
8:59
